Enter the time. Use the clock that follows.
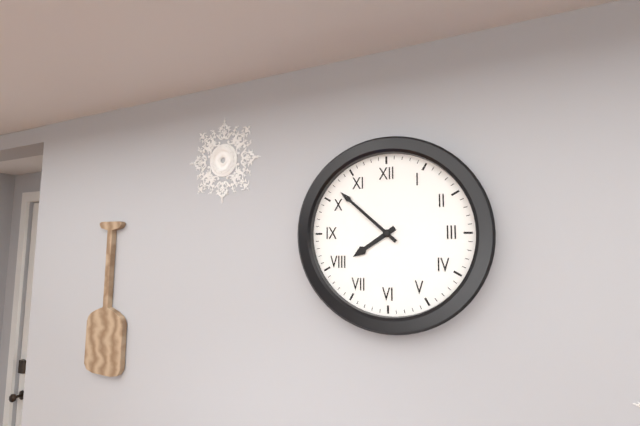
7:52
